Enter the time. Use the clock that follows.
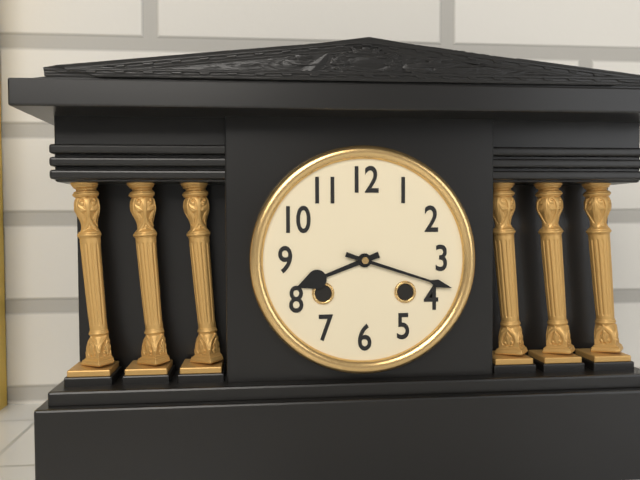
8:18
